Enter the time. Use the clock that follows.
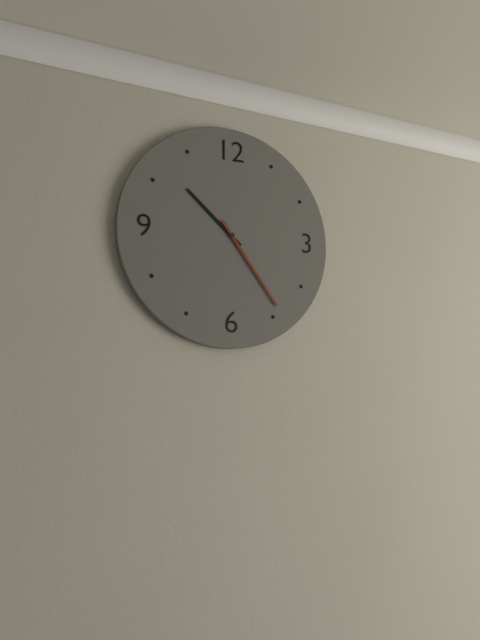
10:24
